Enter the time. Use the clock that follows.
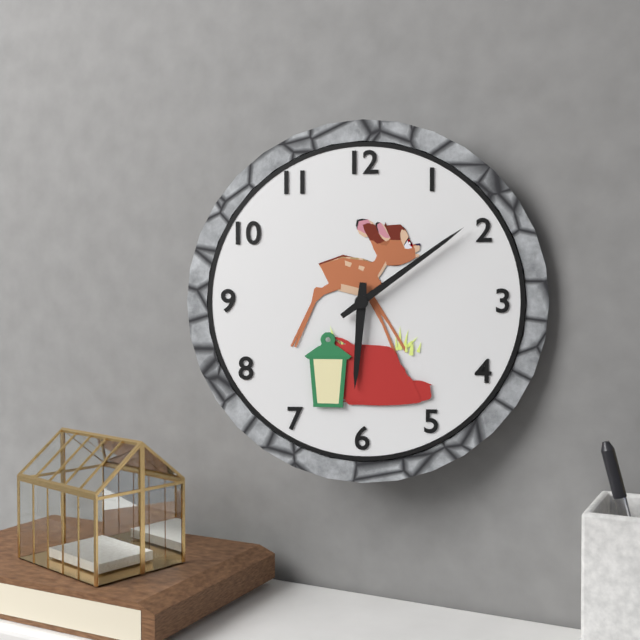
6:09
